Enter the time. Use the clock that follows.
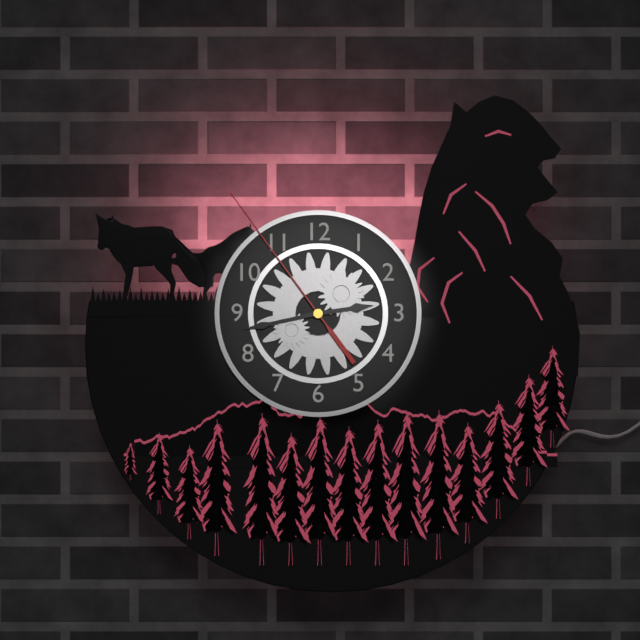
2:43:54
